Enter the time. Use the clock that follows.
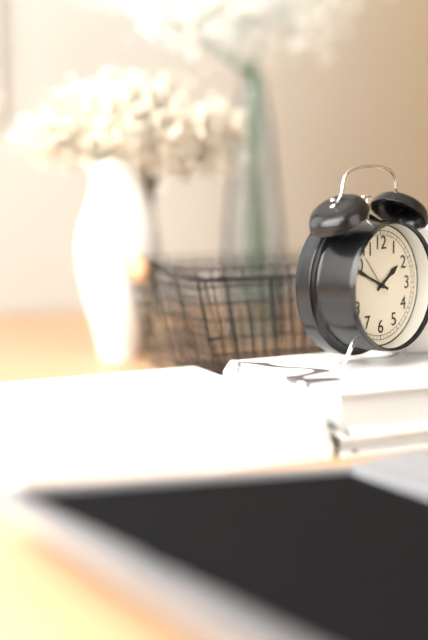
1:49
